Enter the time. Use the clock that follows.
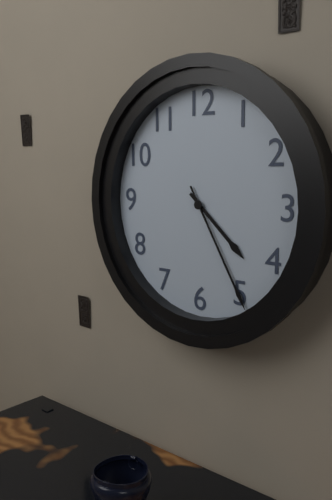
4:25
